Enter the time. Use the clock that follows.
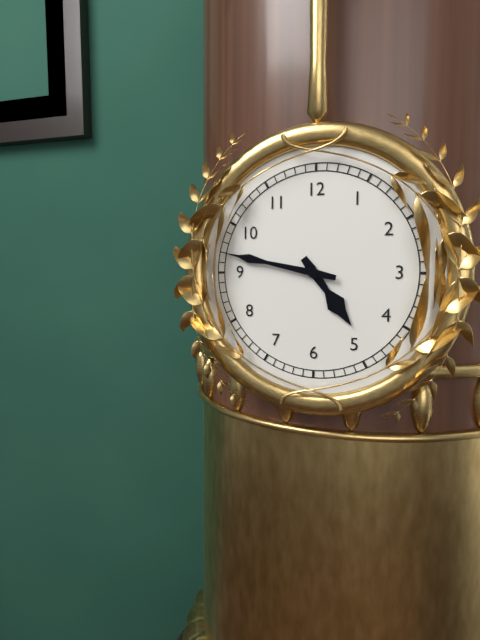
4:47
